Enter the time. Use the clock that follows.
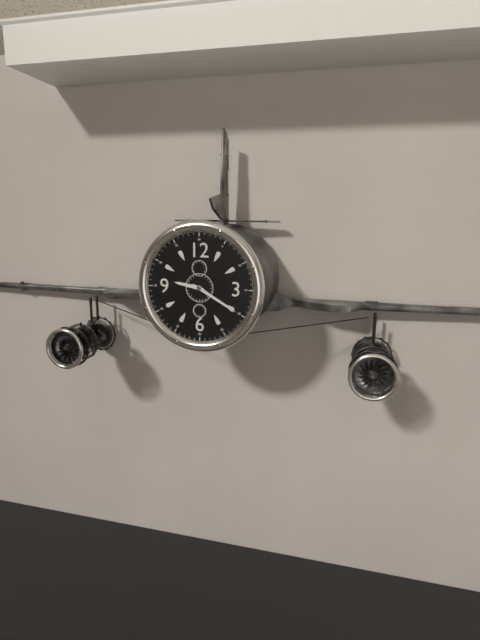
9:20
